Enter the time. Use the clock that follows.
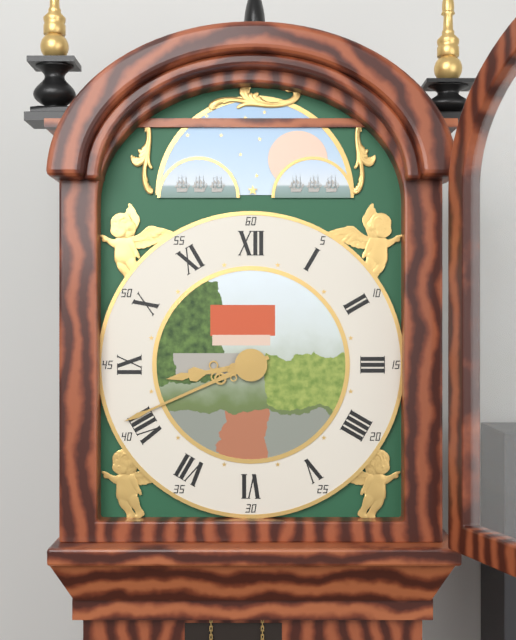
8:41
